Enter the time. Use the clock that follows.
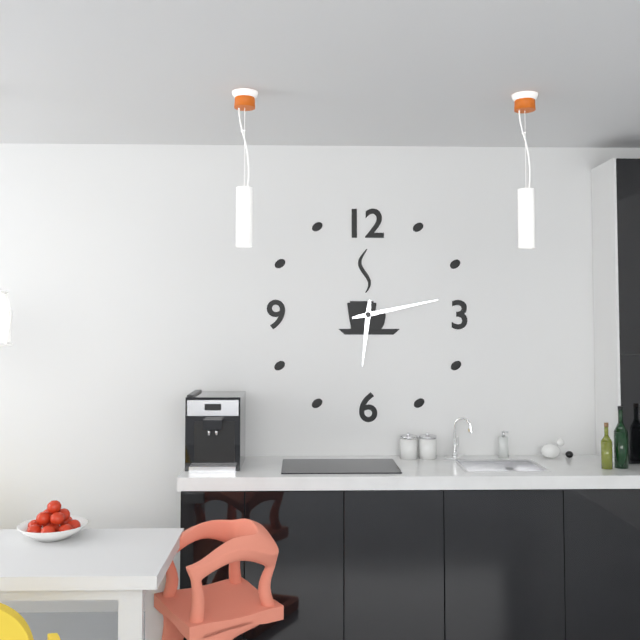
6:13
